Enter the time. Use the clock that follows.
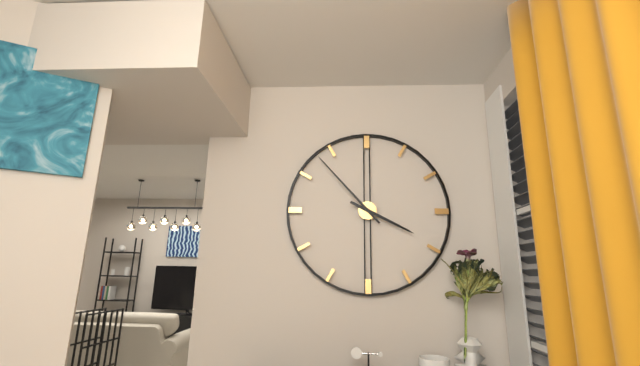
3:53
